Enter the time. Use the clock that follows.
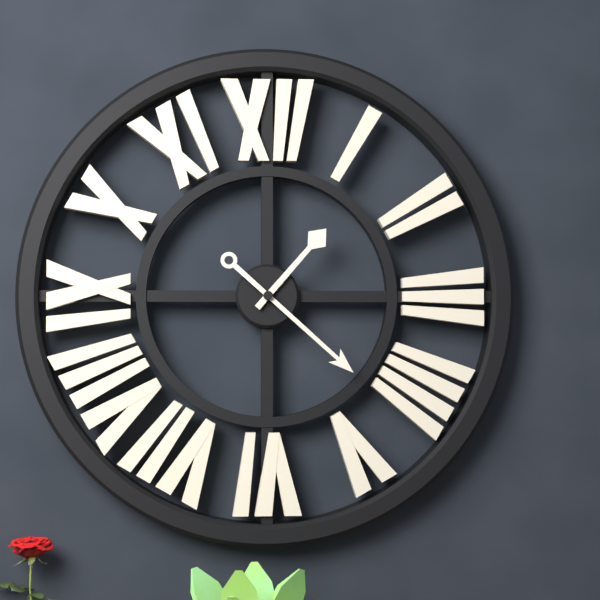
1:22
